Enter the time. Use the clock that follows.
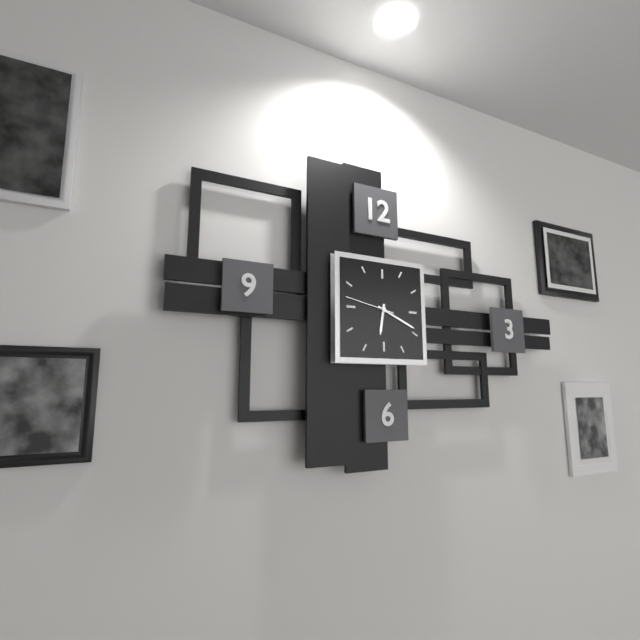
6:19
